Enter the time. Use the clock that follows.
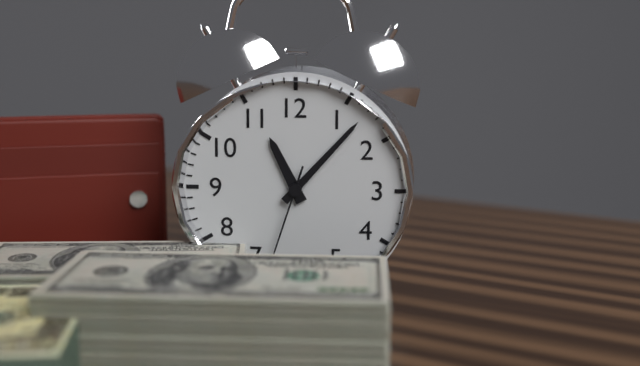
11:07
